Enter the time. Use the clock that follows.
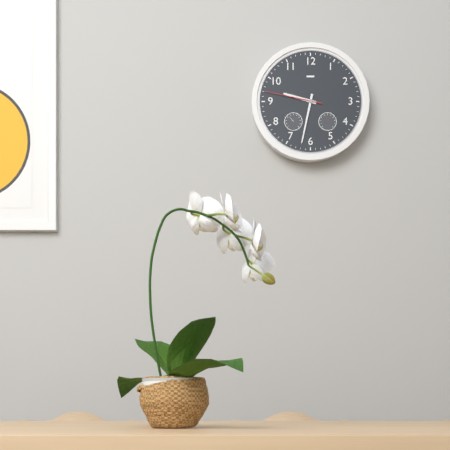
9:32:47
